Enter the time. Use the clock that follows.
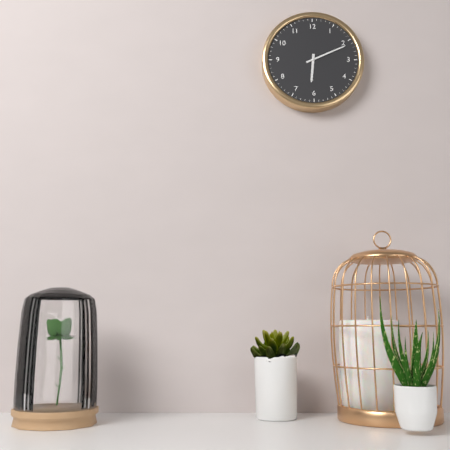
6:11
